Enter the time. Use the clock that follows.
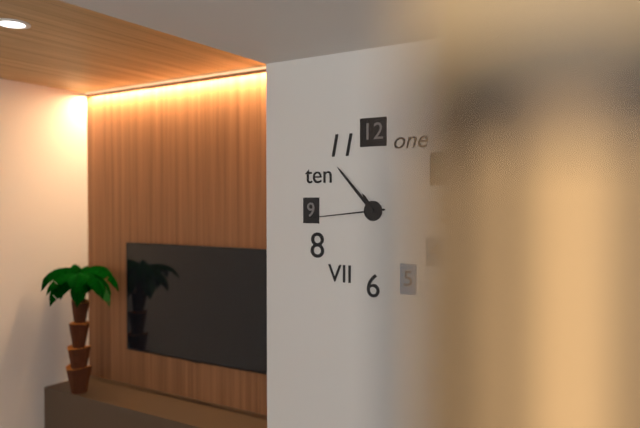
10:53:44
